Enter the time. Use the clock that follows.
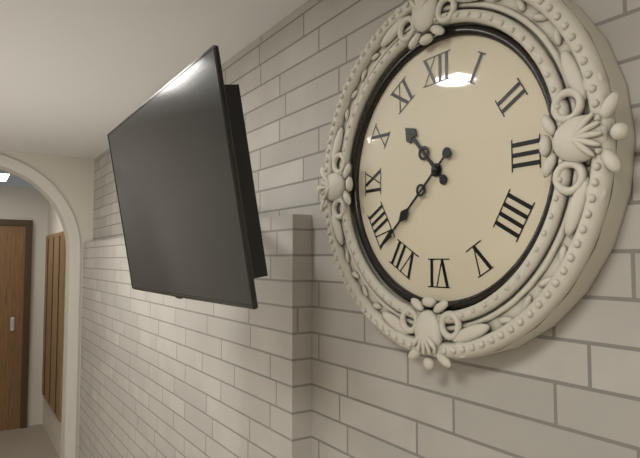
10:38
